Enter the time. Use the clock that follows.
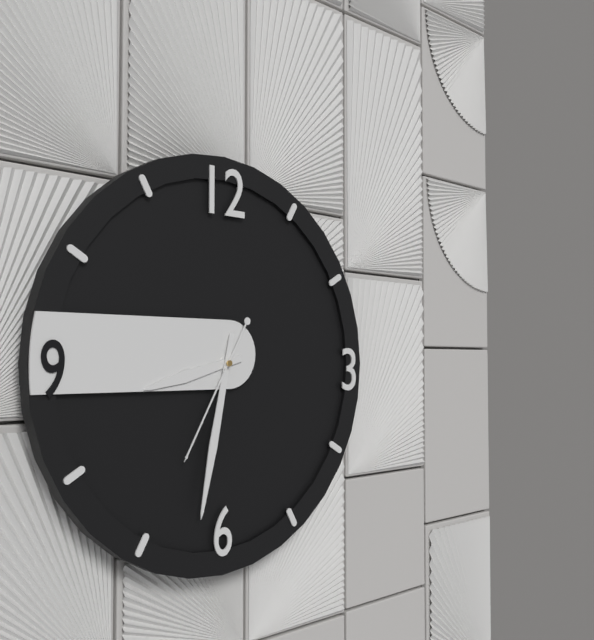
8:32:35
